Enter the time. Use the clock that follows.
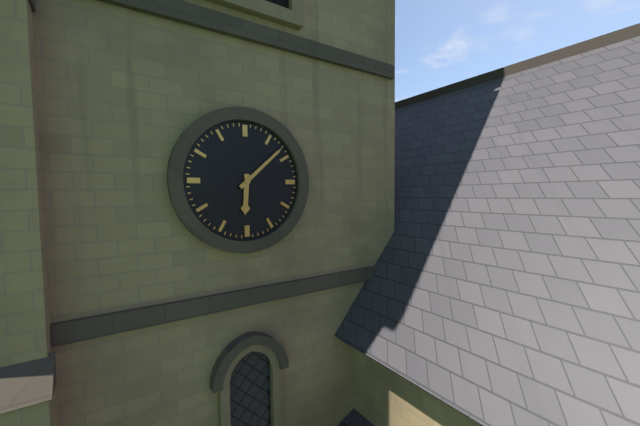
6:08
